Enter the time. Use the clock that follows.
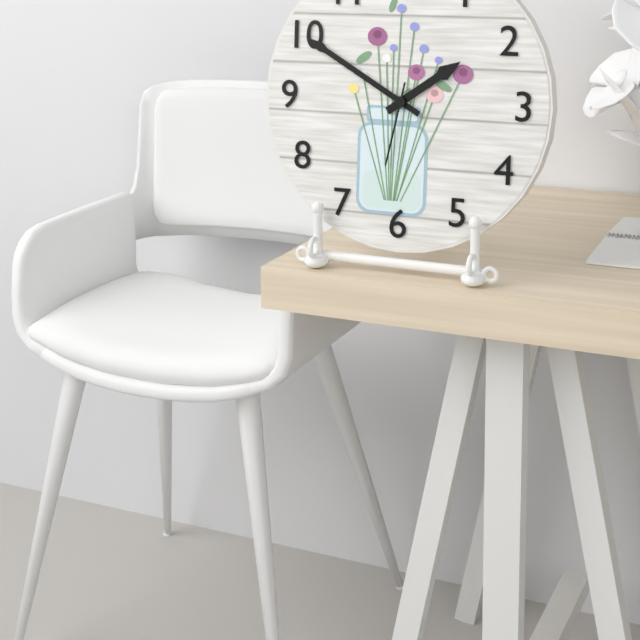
1:50:32
